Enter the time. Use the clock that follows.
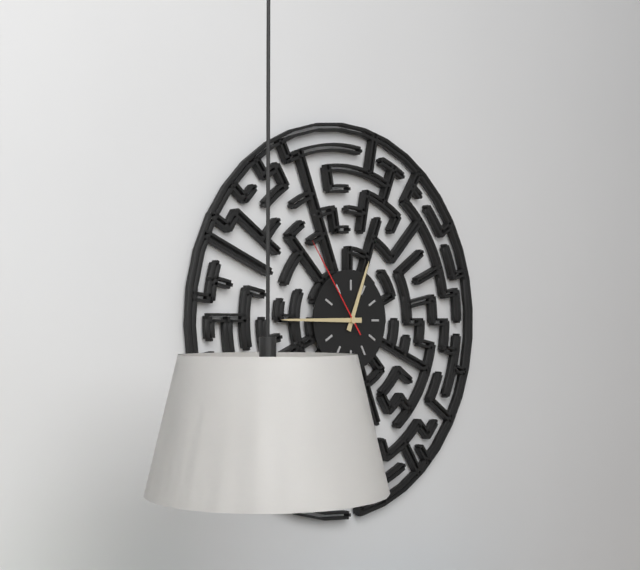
12:45:54
